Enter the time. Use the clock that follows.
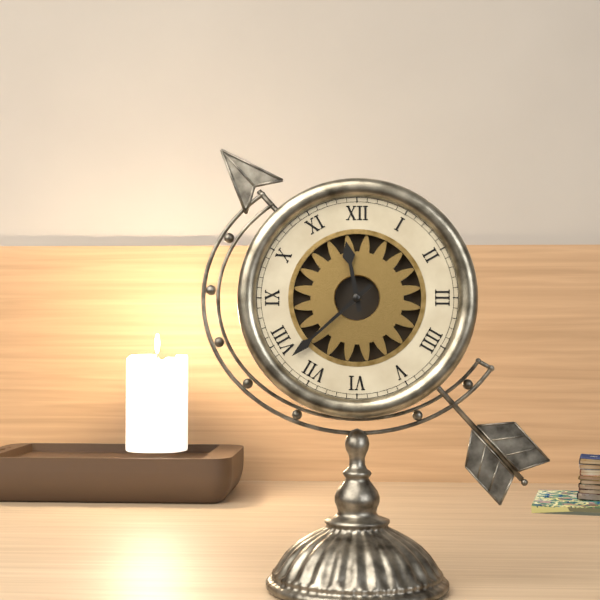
11:38
